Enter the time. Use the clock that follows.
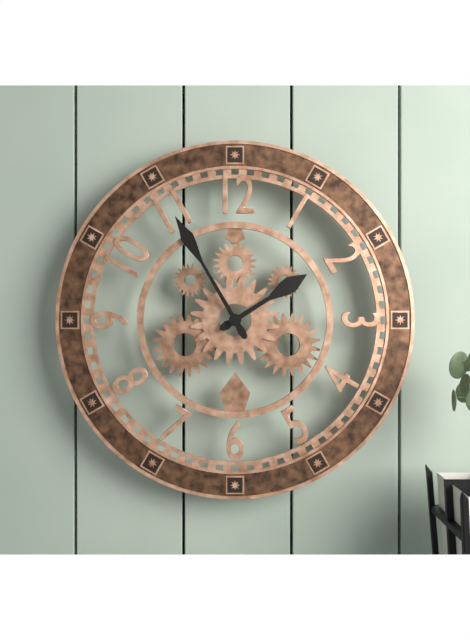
1:55
